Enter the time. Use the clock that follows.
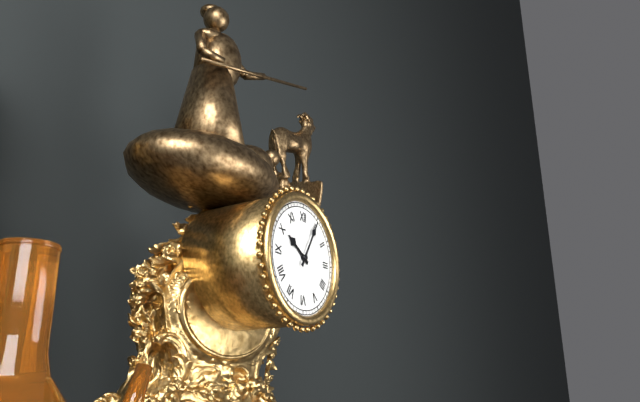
10:05
